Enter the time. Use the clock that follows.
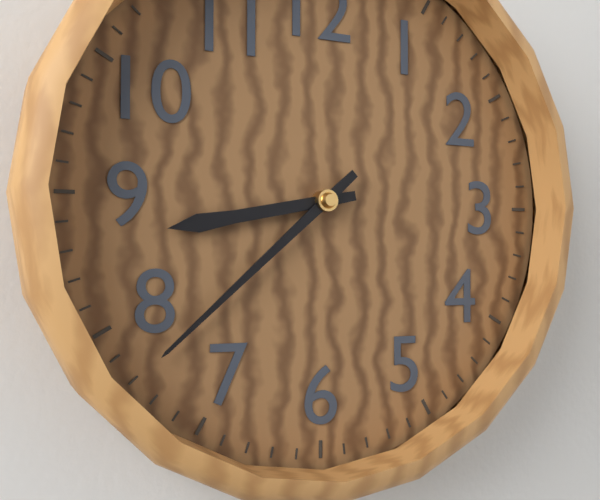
8:38
